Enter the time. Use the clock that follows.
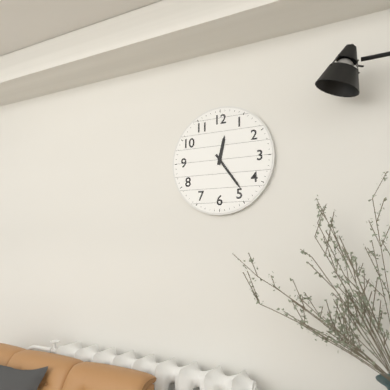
12:24
